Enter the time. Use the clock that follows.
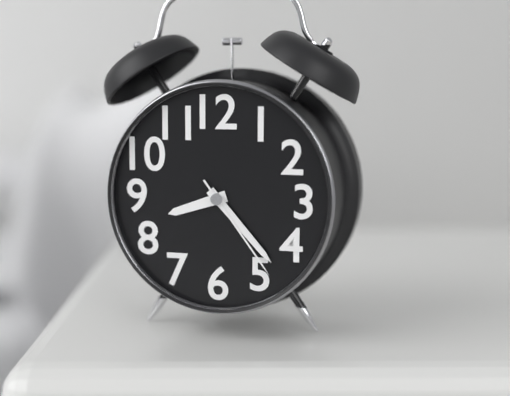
8:23:24
